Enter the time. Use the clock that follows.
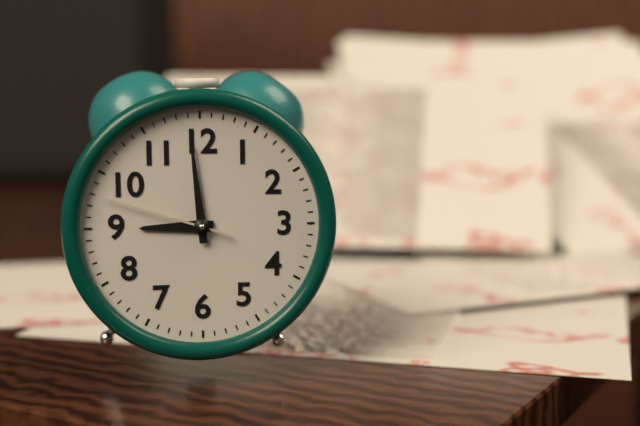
8:59:48
